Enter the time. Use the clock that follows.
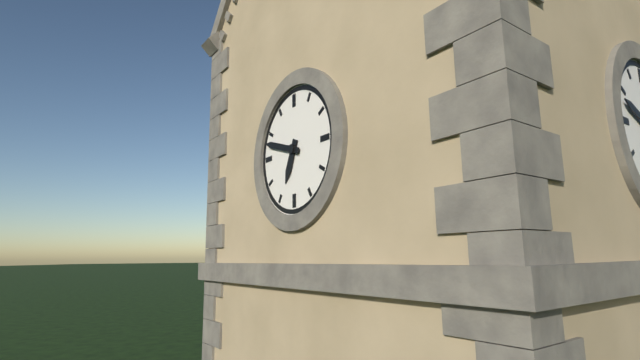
6:48
